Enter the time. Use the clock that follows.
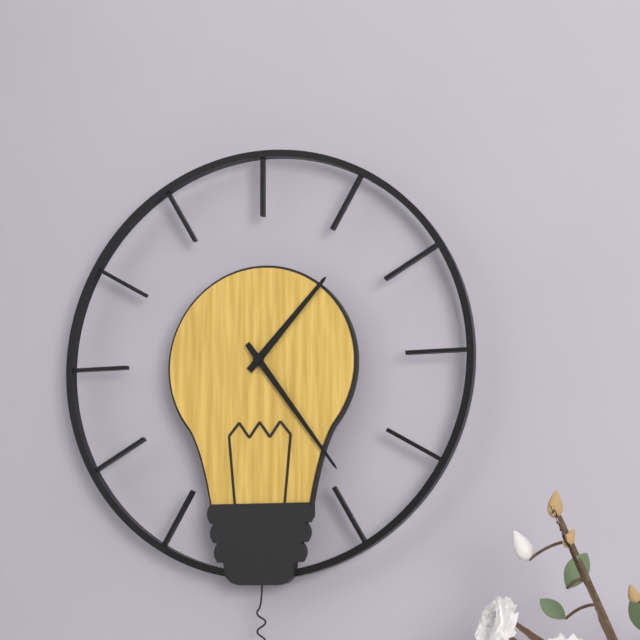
1:24
